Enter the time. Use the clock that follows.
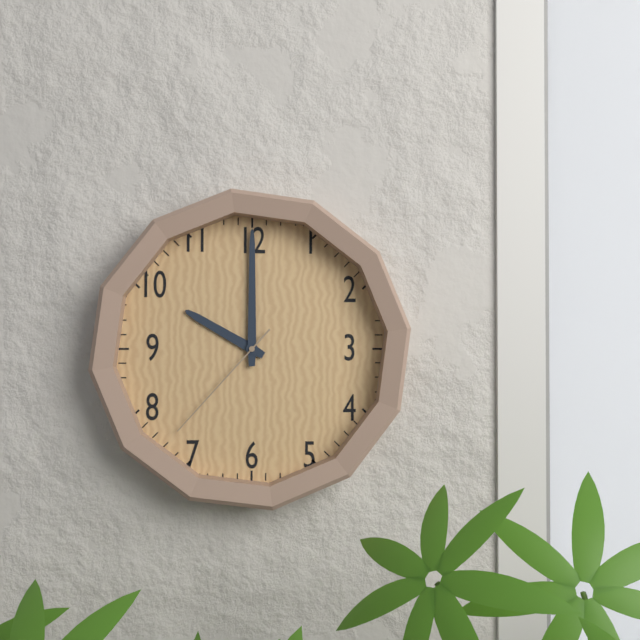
10:00:37
